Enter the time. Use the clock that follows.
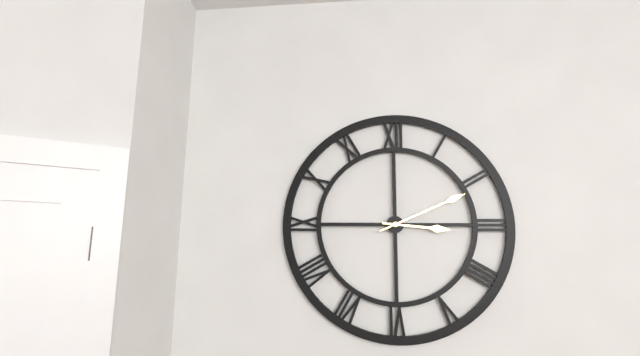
3:11
